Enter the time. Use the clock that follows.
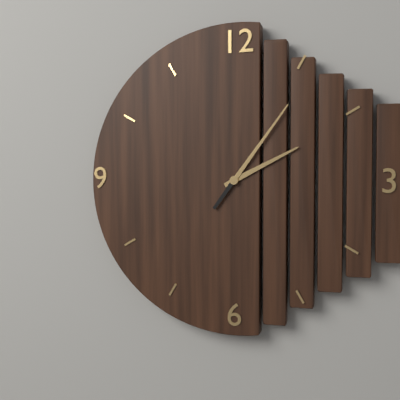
2:06
